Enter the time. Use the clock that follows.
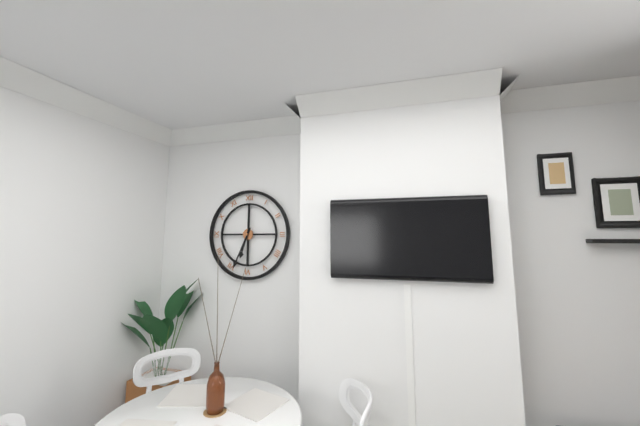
6:34
